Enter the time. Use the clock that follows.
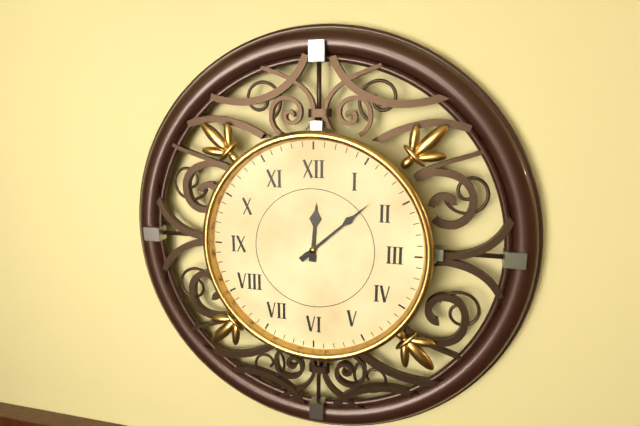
12:08
